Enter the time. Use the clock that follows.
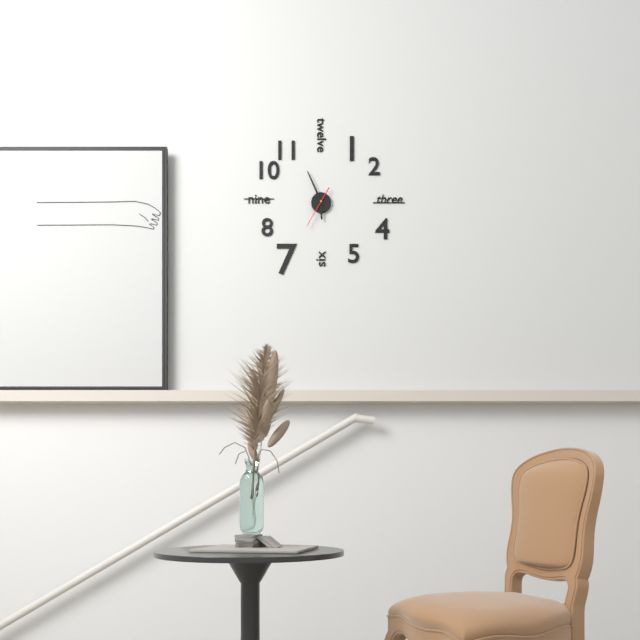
5:56
